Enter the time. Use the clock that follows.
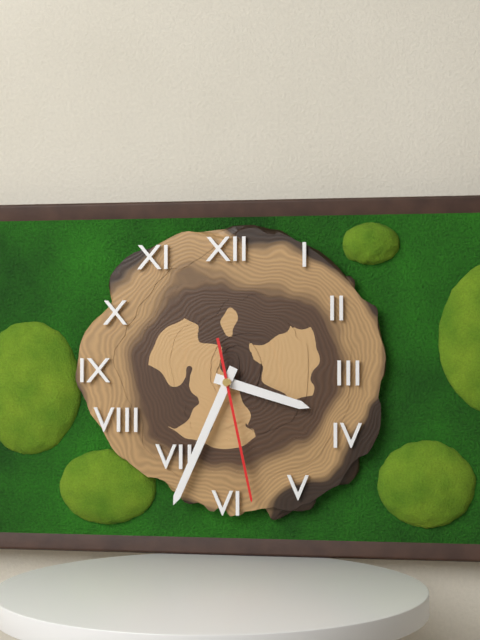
3:34:28
